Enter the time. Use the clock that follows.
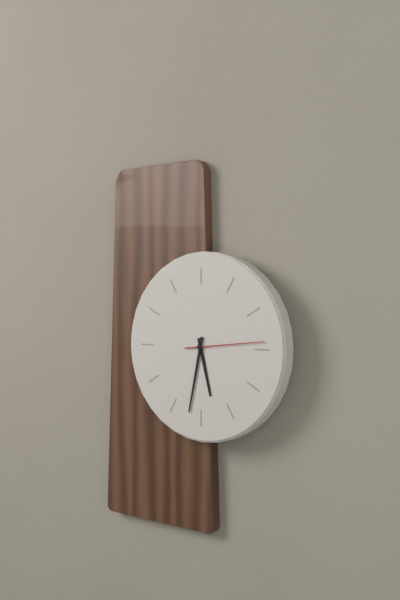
5:32:14
